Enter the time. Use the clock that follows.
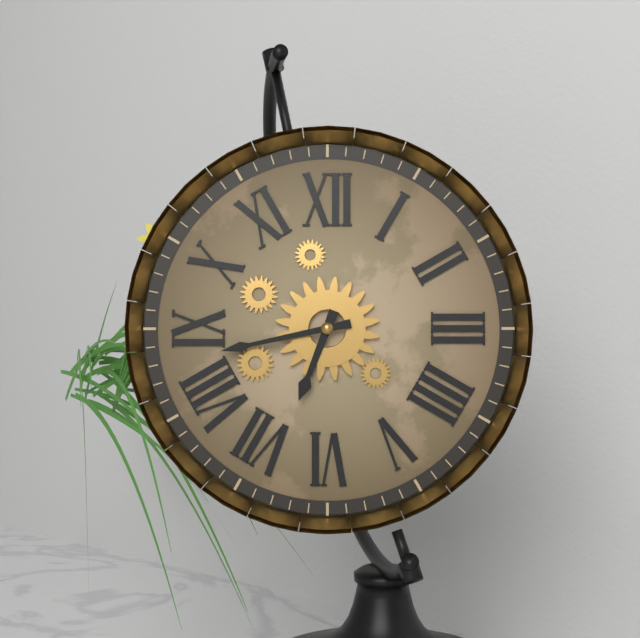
6:43
